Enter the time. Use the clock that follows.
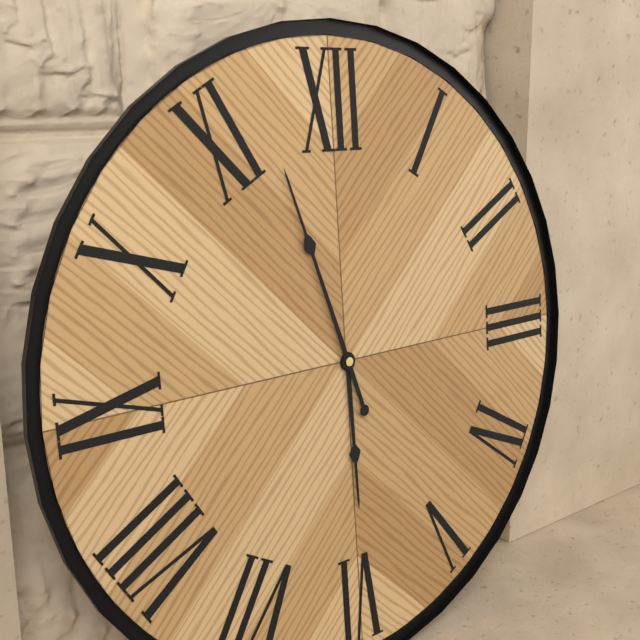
5:57
